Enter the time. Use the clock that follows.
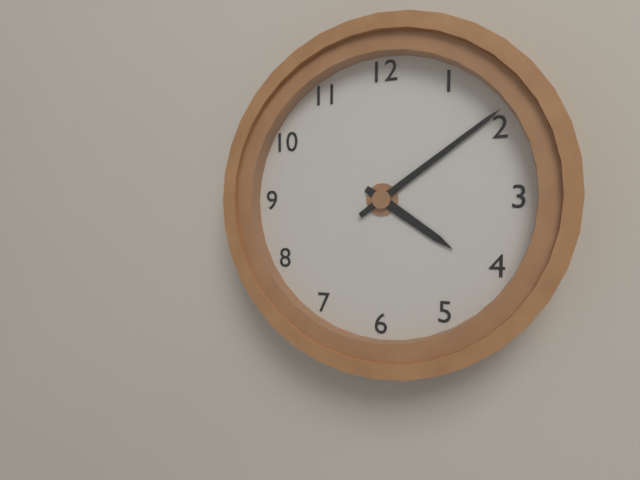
4:09
